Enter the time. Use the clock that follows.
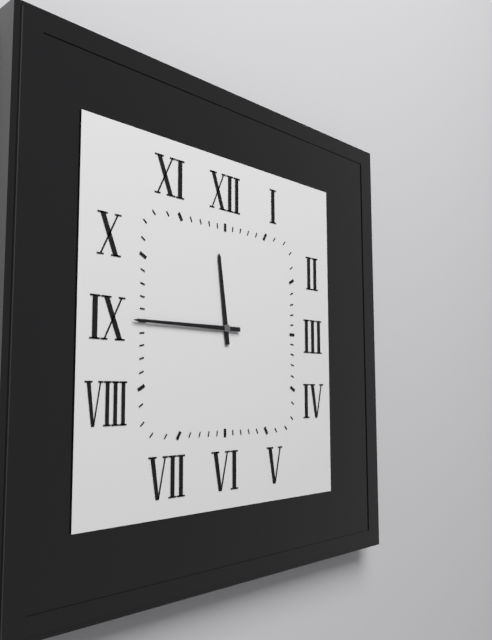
11:45
